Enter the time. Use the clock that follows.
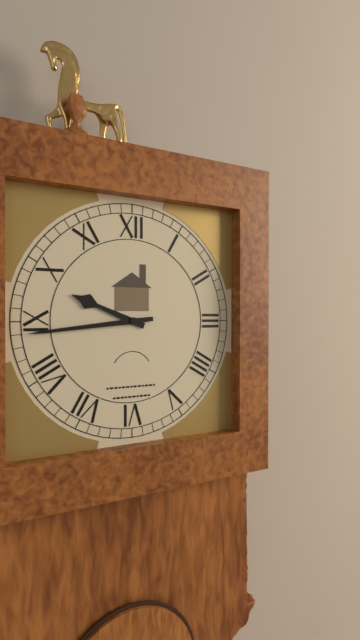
9:44
